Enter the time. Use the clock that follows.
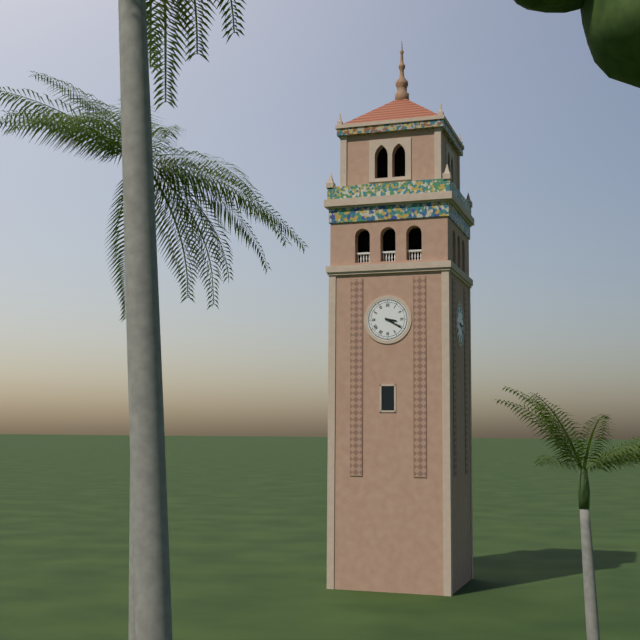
3:20
